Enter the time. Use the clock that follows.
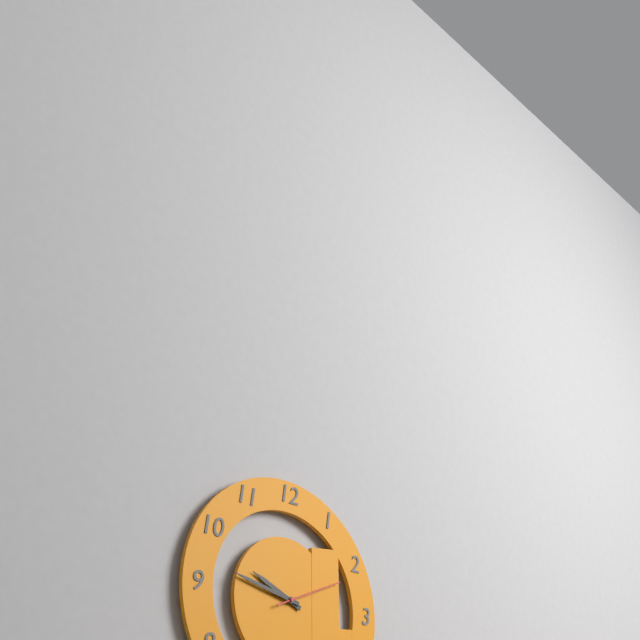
9:47:11
